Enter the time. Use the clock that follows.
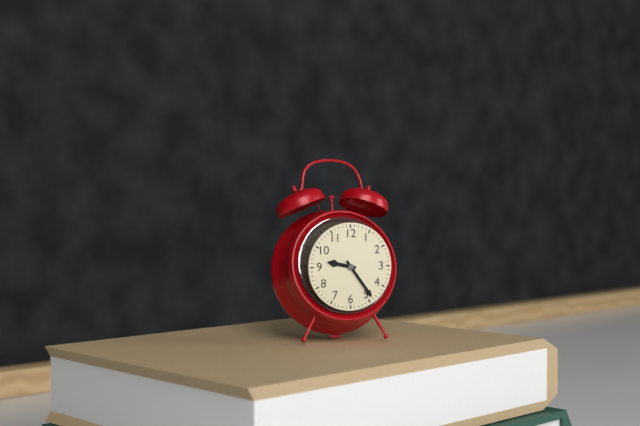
9:24
